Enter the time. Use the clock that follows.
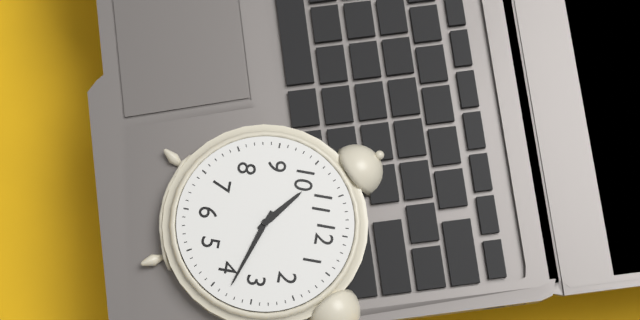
10:18
